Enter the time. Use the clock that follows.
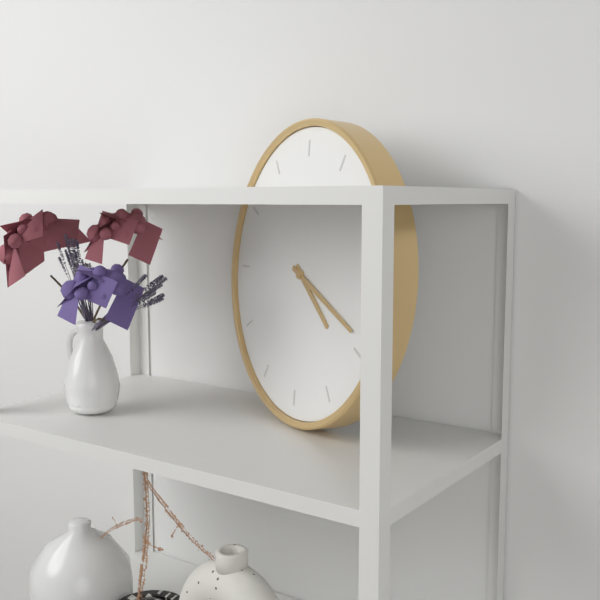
4:19
